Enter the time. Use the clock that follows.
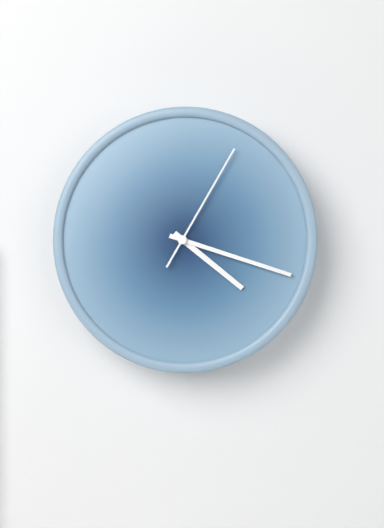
4:18:05
